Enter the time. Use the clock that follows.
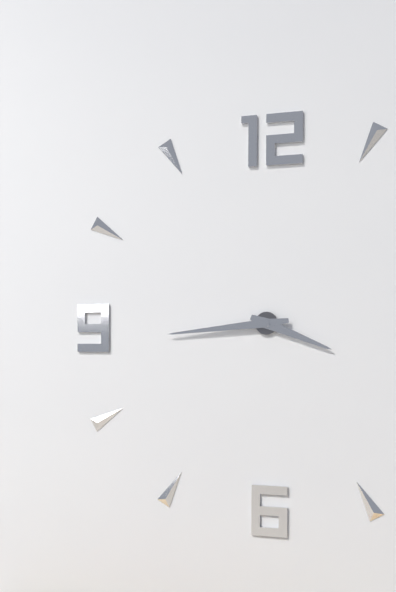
3:44
